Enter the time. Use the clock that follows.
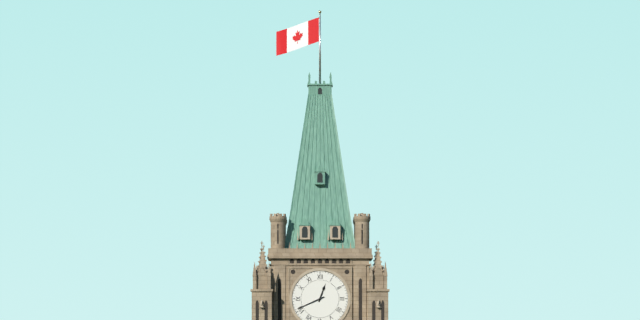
12:41
